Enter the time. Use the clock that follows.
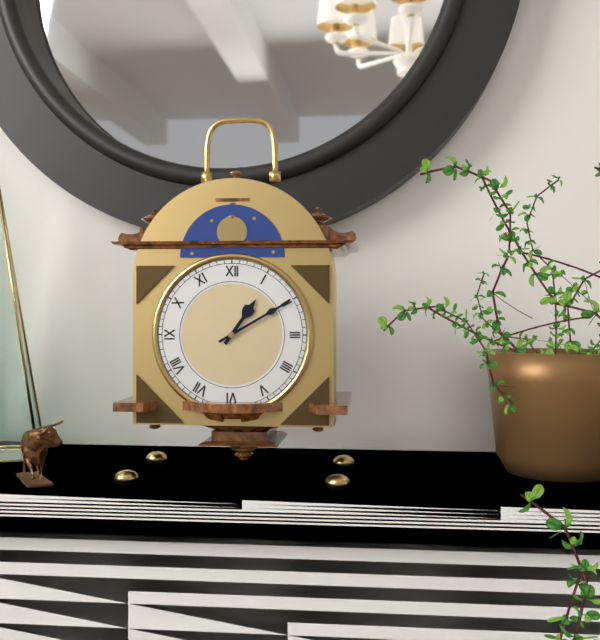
1:10
